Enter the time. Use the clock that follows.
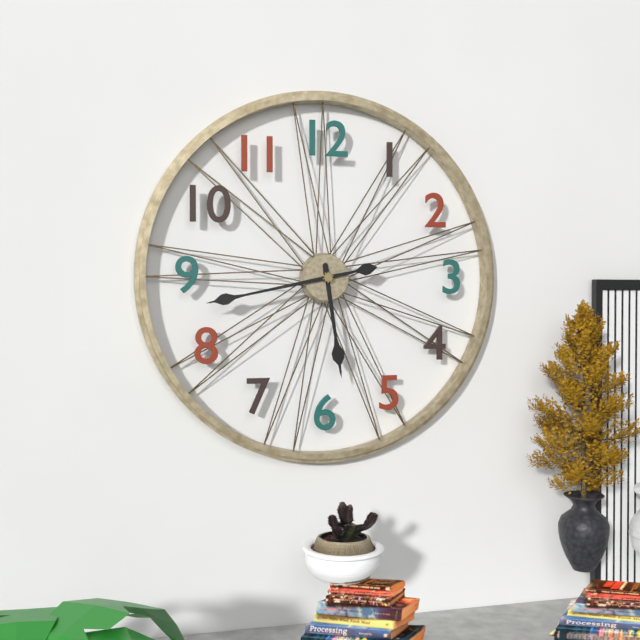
5:43
